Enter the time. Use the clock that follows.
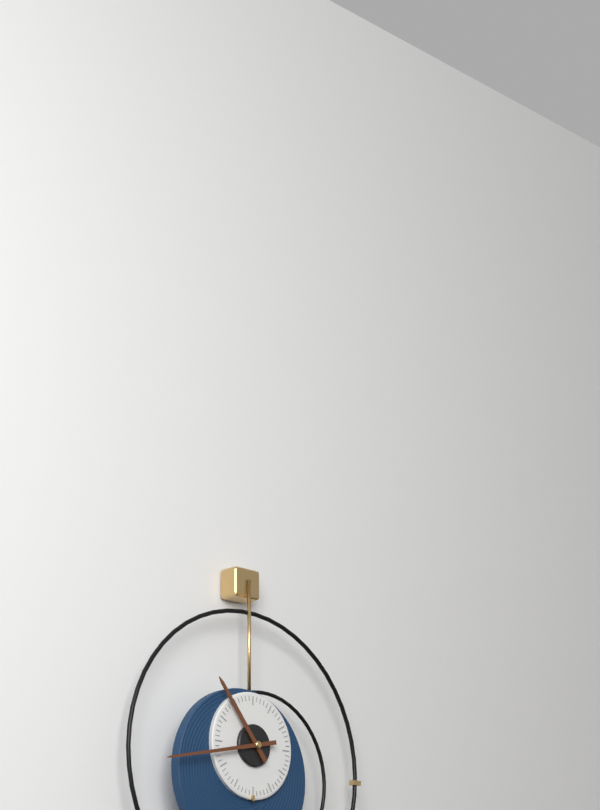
10:43
